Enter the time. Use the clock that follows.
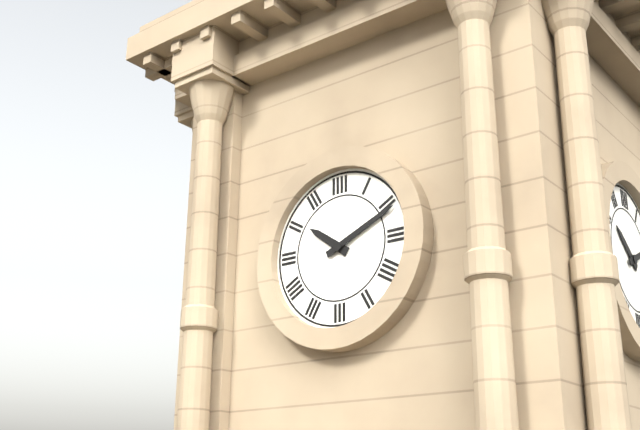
10:11
